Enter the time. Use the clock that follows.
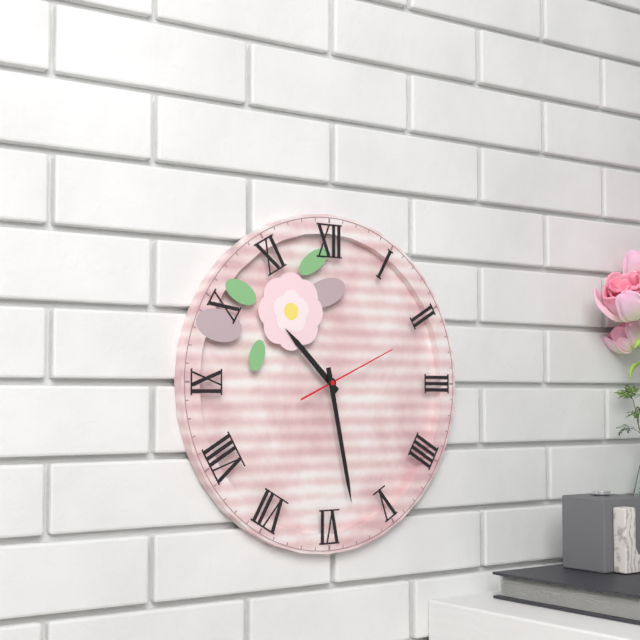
10:28:11
